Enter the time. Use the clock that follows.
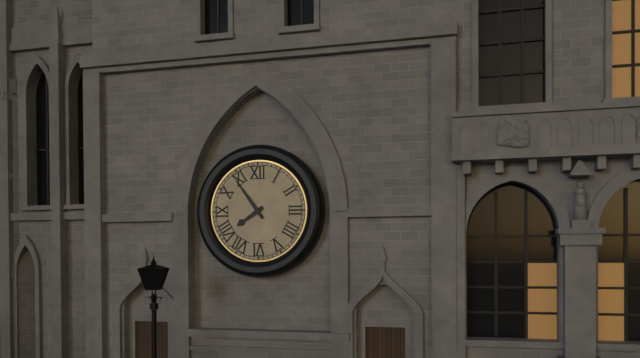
7:54
